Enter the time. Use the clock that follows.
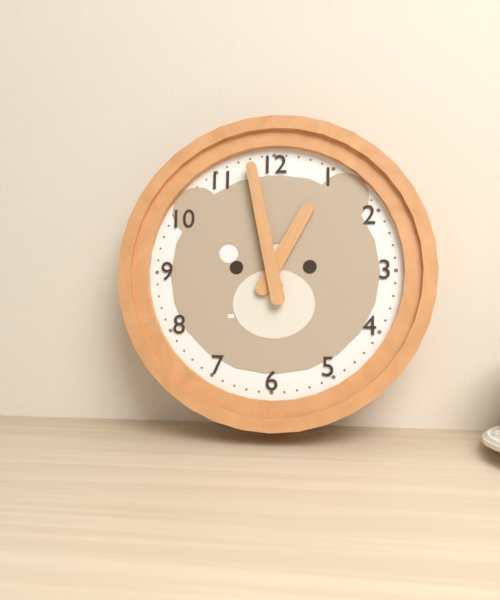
12:58
